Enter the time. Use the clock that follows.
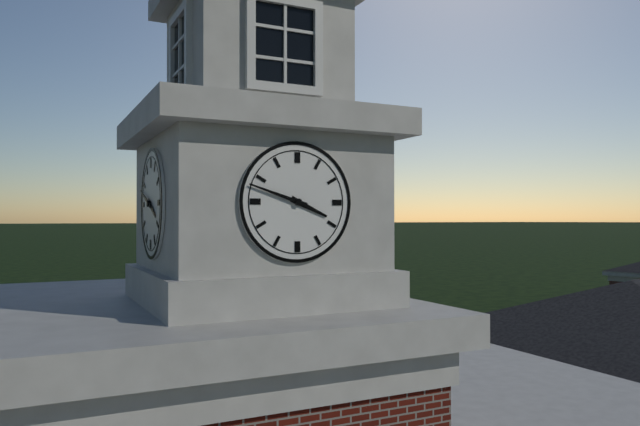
3:48
